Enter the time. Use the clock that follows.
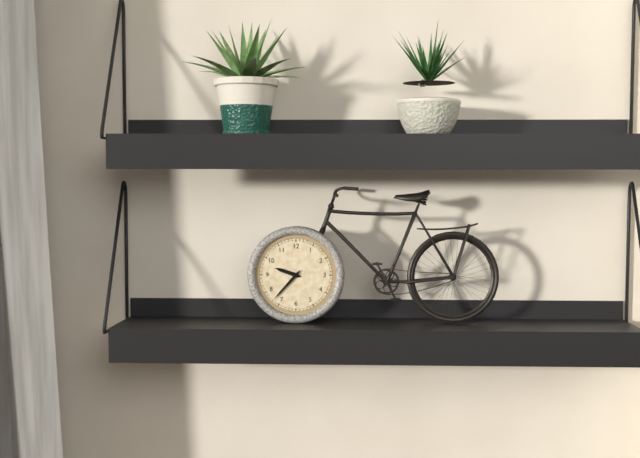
9:37
